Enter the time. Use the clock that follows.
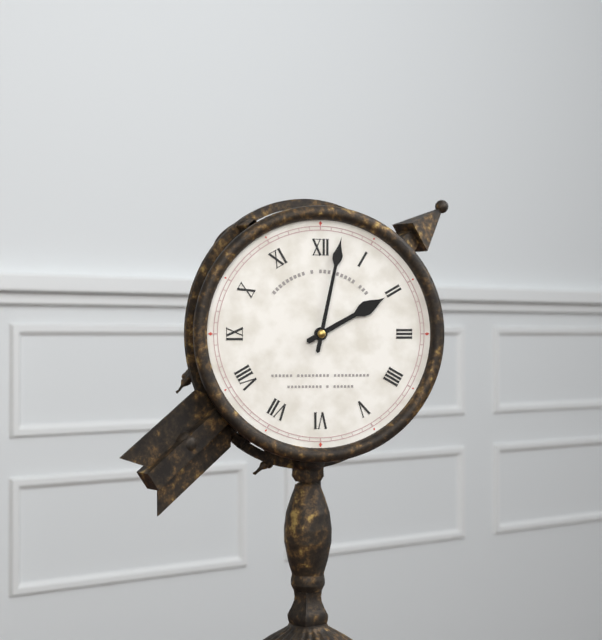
2:02
